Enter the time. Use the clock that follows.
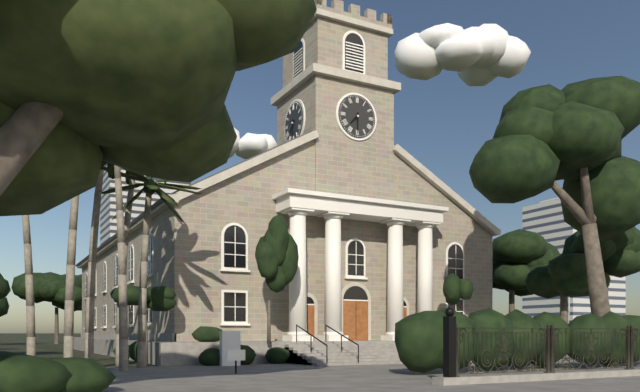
7:30
